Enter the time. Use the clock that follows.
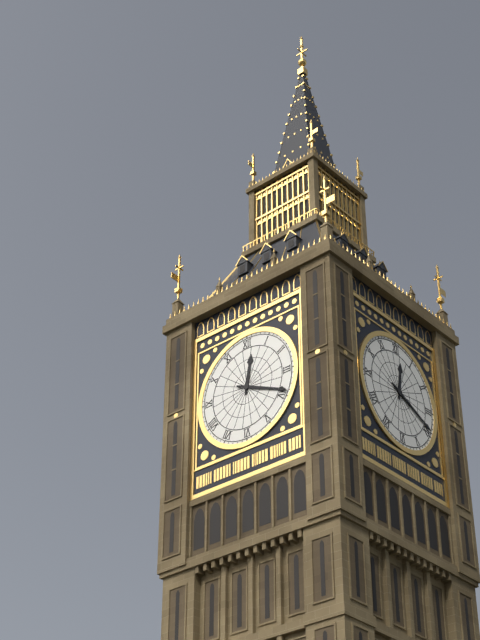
12:19
